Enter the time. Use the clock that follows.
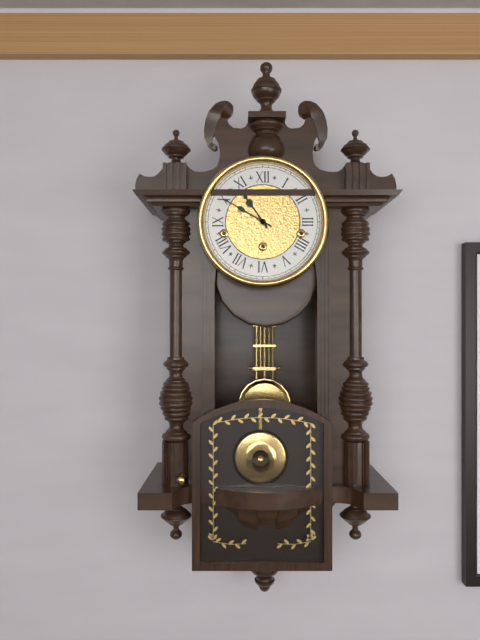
10:50
